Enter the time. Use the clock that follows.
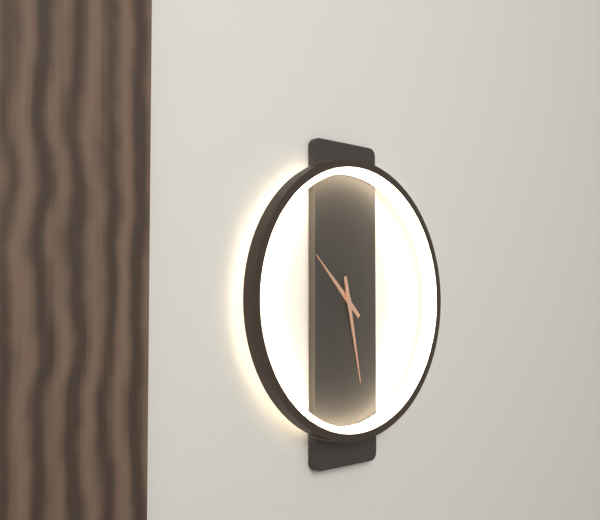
10:28
